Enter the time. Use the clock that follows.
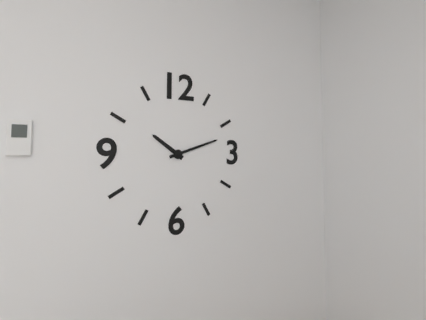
10:12
